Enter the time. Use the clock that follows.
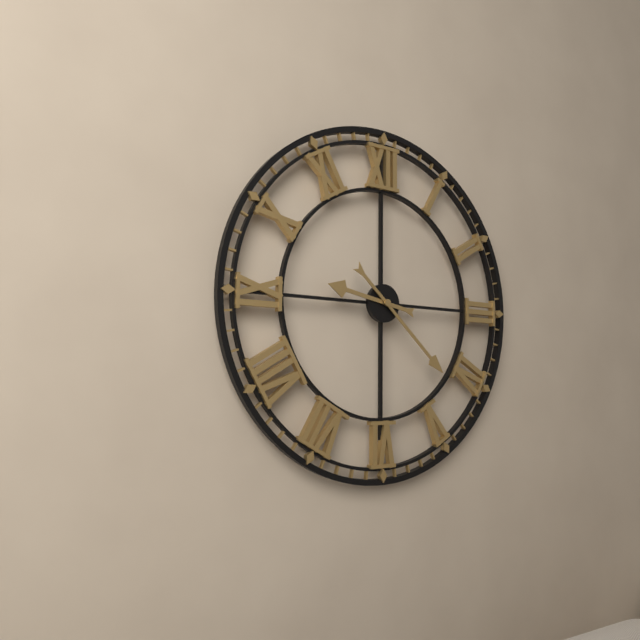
9:22
